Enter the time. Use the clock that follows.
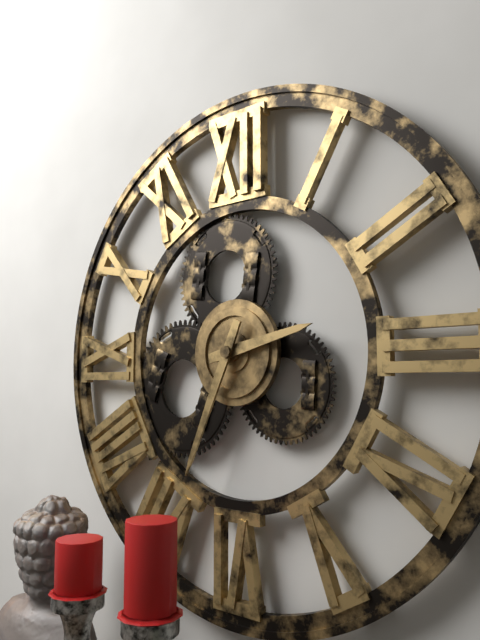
2:34
